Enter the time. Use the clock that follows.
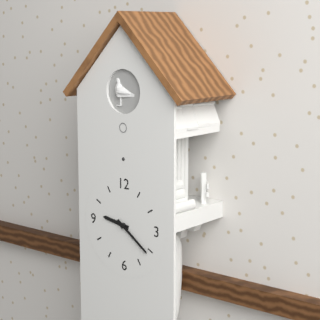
9:21
